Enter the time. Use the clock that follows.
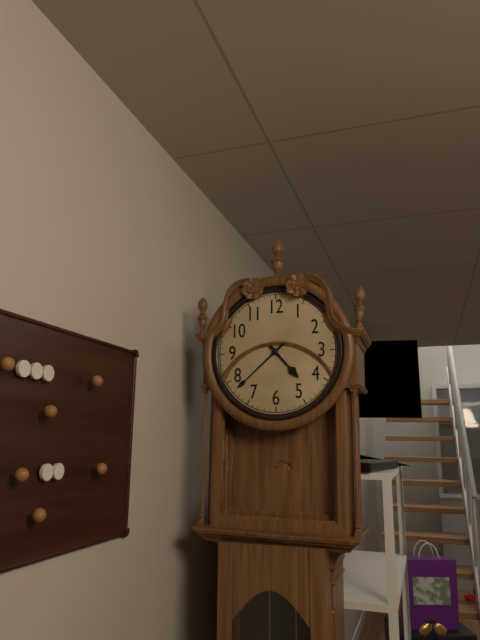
4:38
